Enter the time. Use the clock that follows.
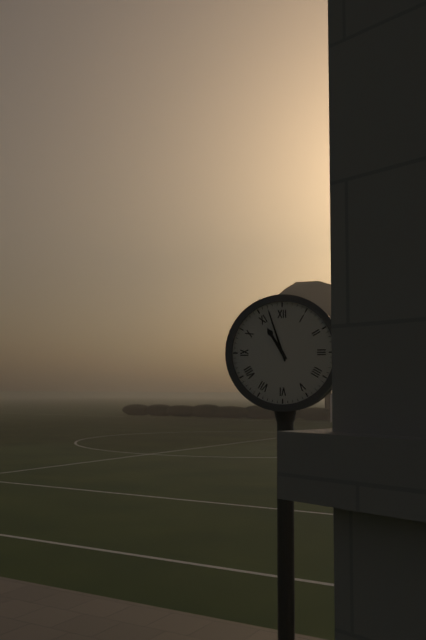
10:57
